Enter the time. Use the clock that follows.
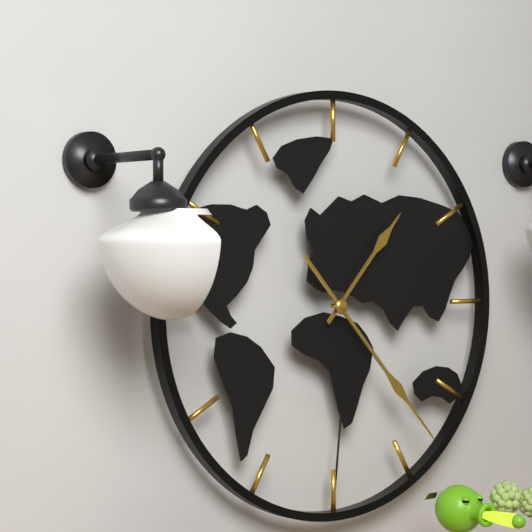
1:23
